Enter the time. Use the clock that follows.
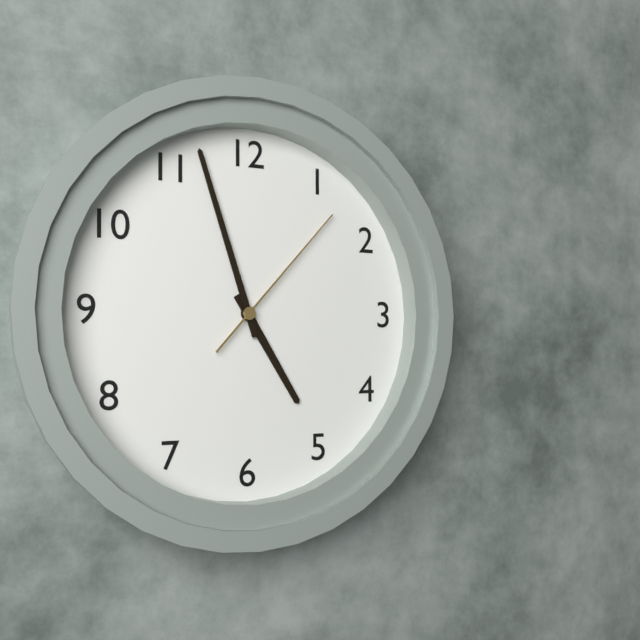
4:57:07
